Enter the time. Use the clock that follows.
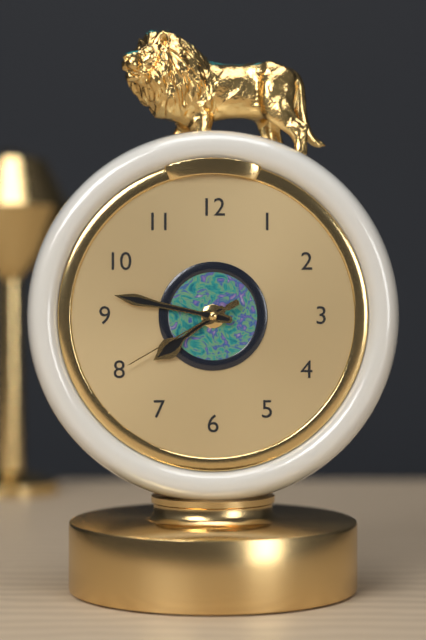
7:47:40
